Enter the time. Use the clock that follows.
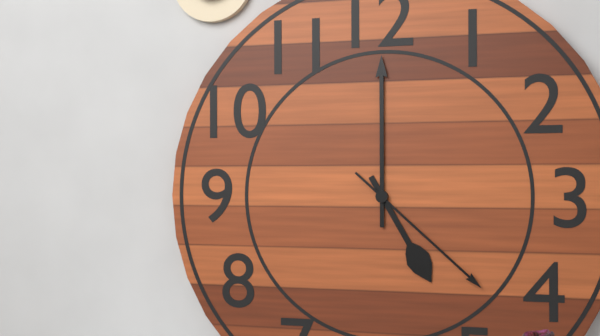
5:00:22
